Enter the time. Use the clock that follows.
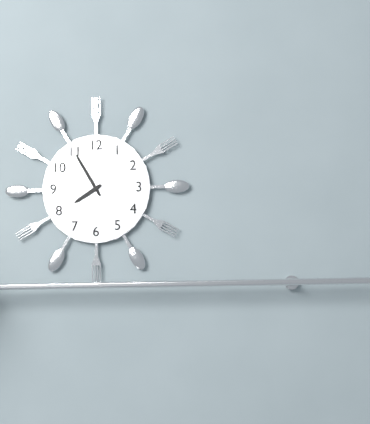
7:55
